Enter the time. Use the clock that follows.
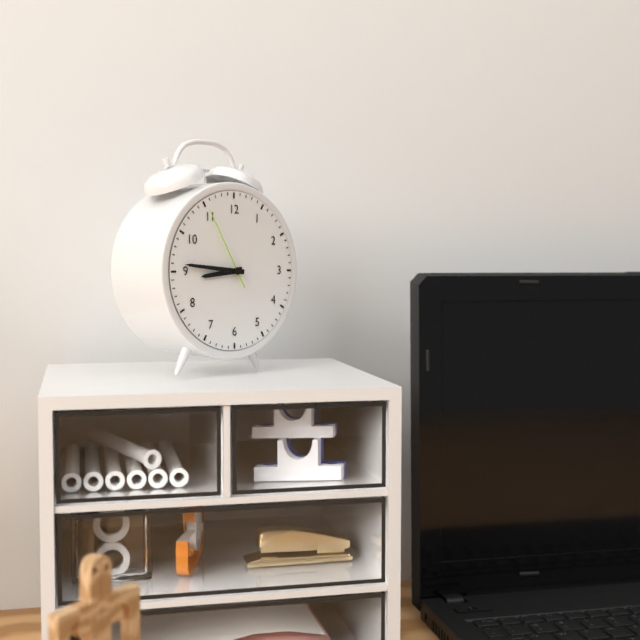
8:46:55
